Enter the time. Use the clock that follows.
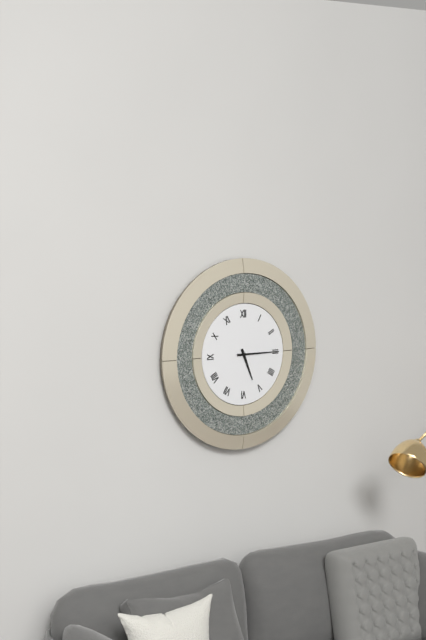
5:15
